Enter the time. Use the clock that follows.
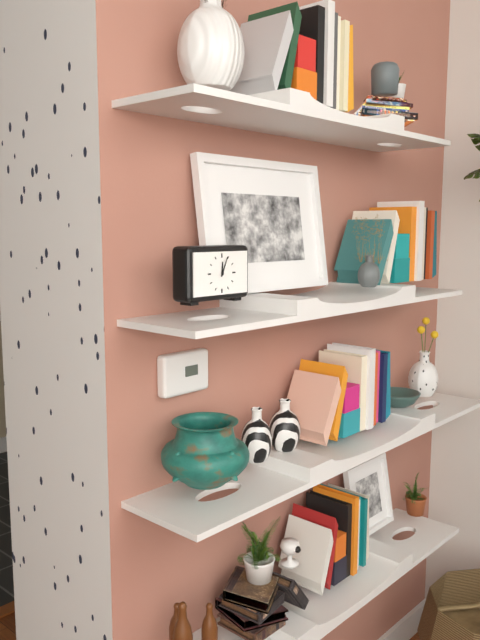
12:04
